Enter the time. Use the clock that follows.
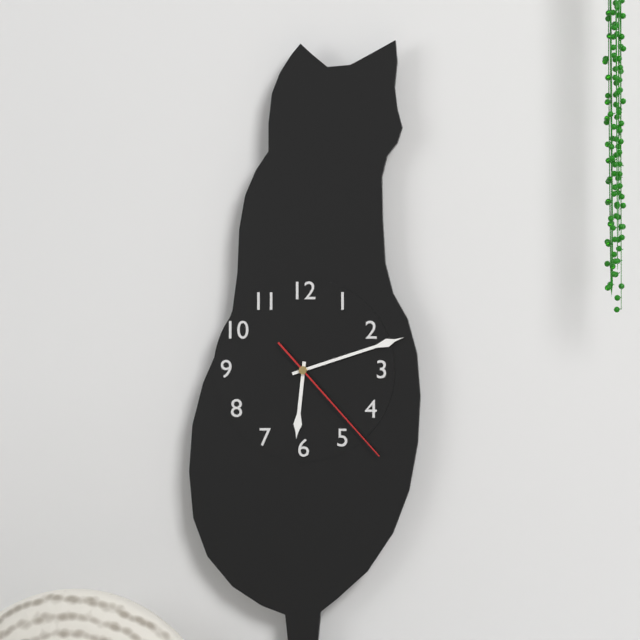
6:12:23
